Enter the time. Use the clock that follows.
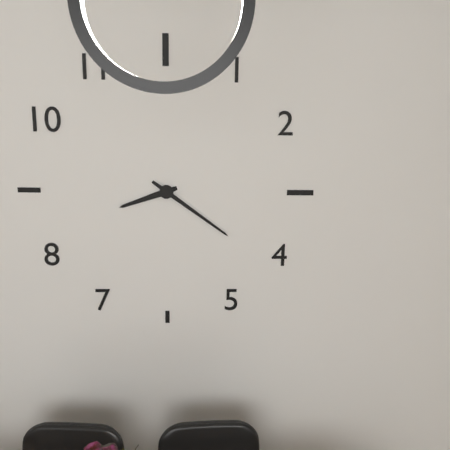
8:21
